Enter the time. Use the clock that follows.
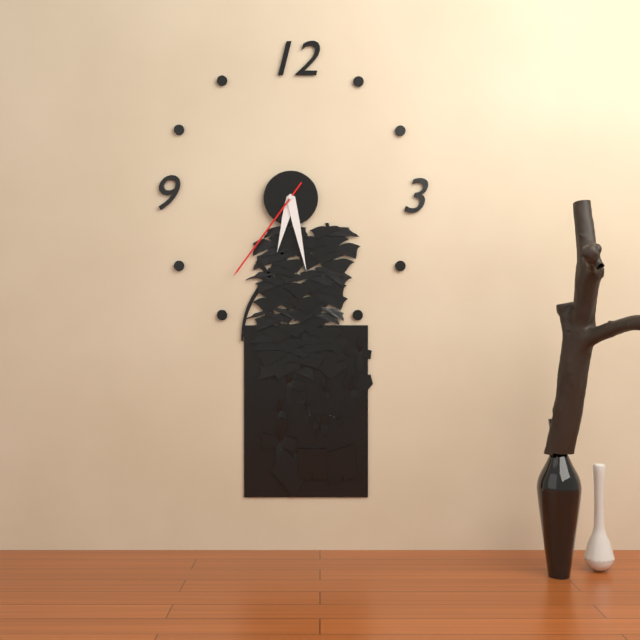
6:28:36
